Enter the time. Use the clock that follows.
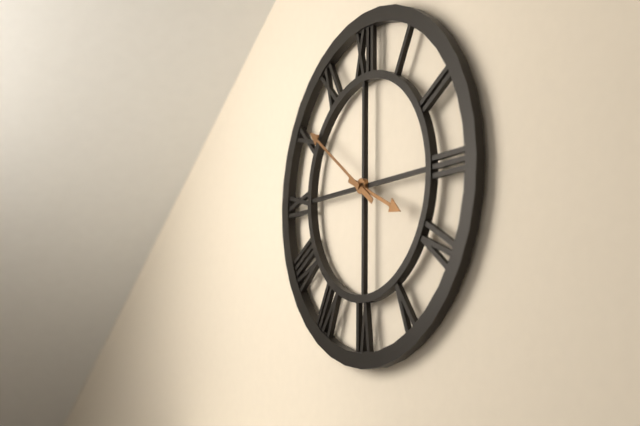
3:51
